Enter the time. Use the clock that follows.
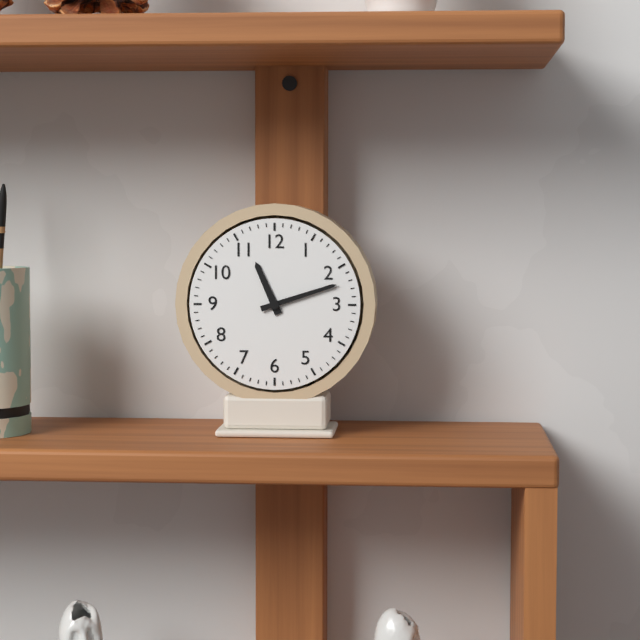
11:12
